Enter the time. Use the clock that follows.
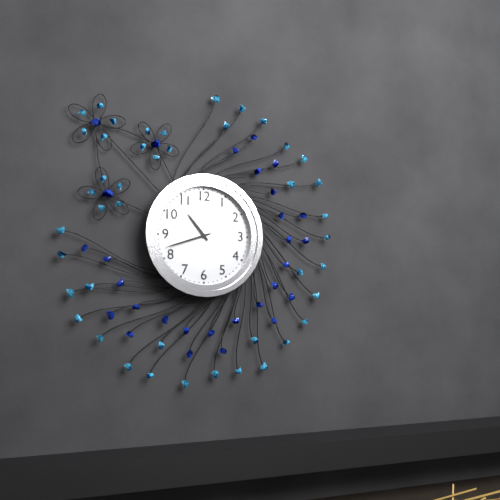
10:42
